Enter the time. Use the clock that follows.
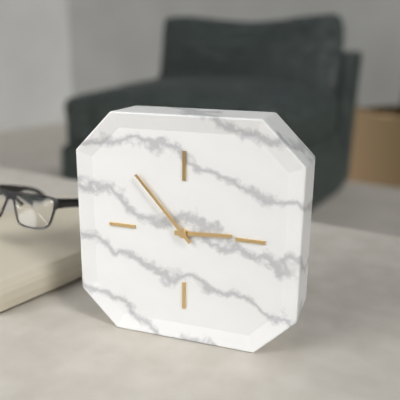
2:53
